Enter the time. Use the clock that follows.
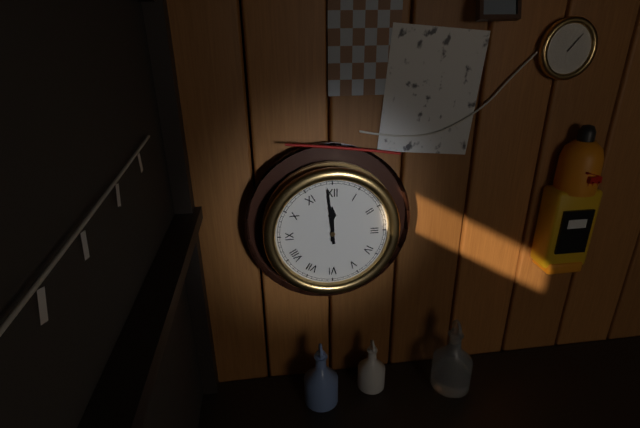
11:59
